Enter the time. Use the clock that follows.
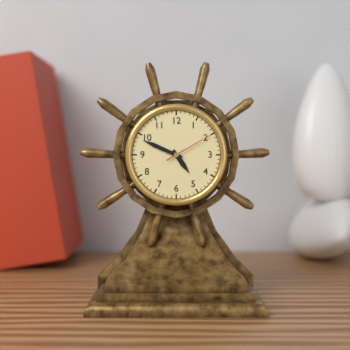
4:49
